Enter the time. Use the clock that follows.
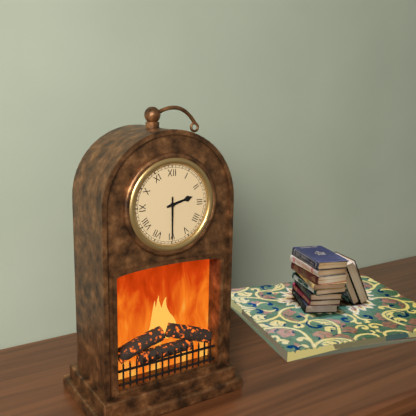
2:30
